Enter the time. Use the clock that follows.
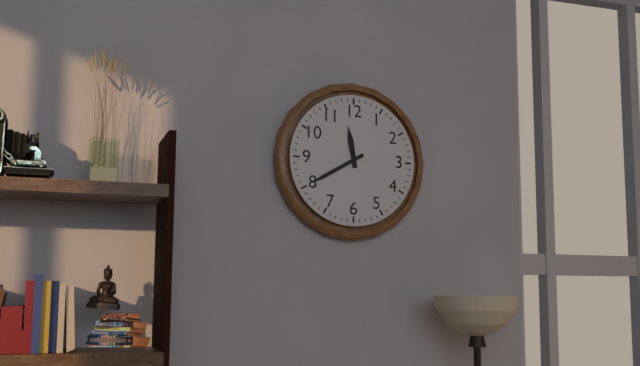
11:40
